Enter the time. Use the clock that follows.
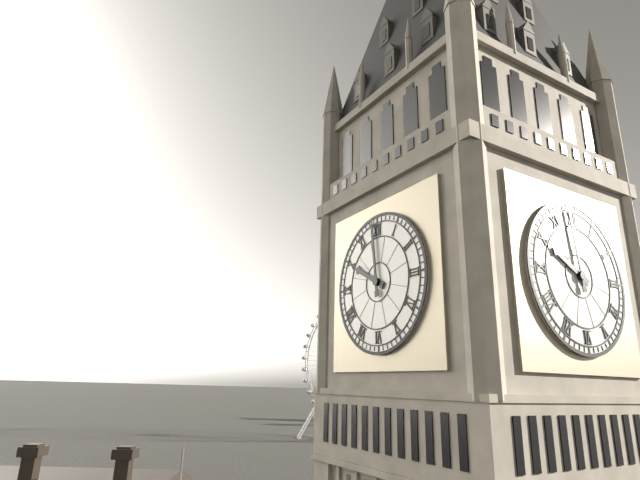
9:59
